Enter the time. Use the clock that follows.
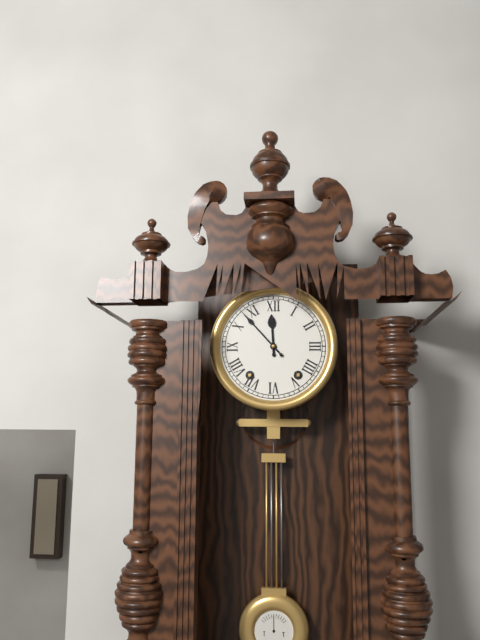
11:53
